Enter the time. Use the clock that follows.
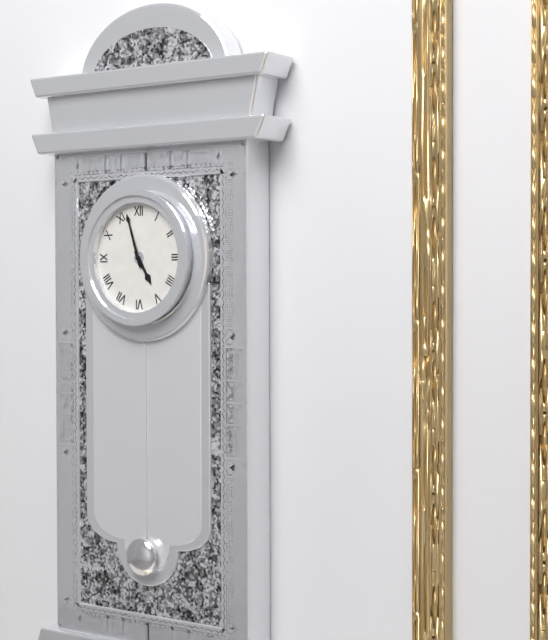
4:57
